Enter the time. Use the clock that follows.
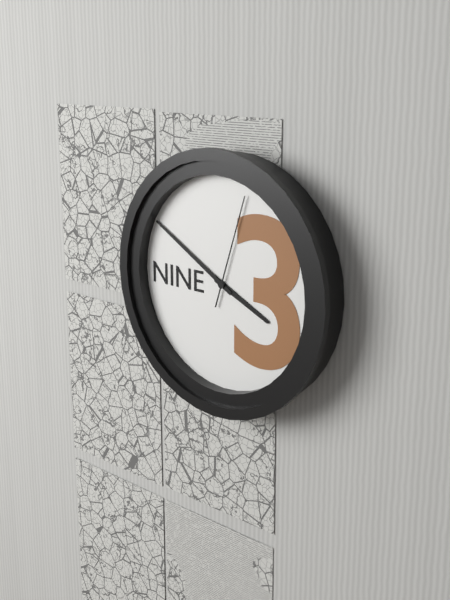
3:50:03
